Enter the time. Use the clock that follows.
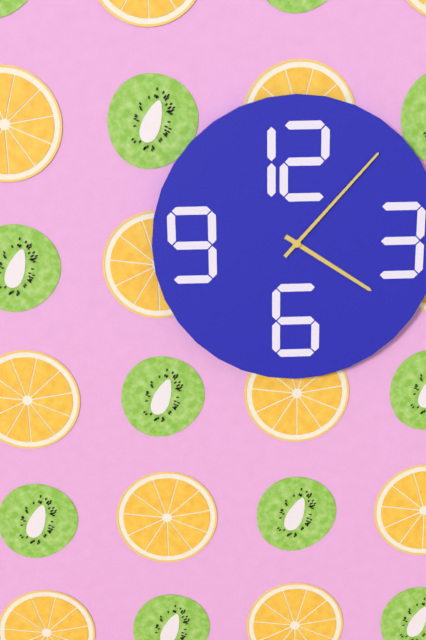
4:07
